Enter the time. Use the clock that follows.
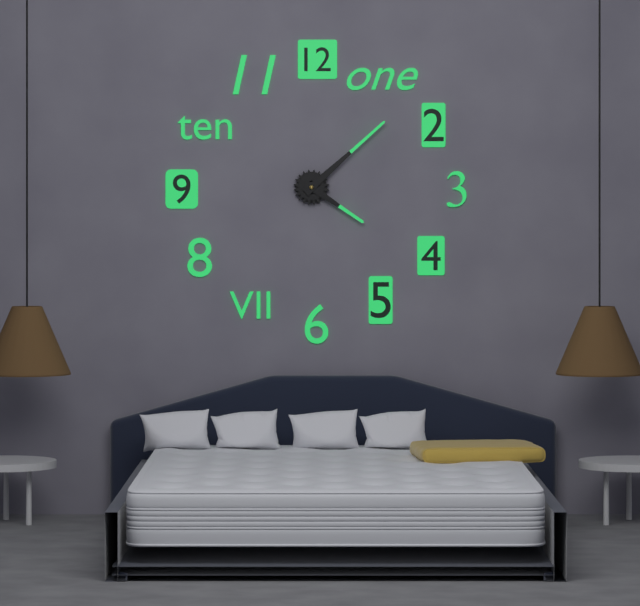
4:08
